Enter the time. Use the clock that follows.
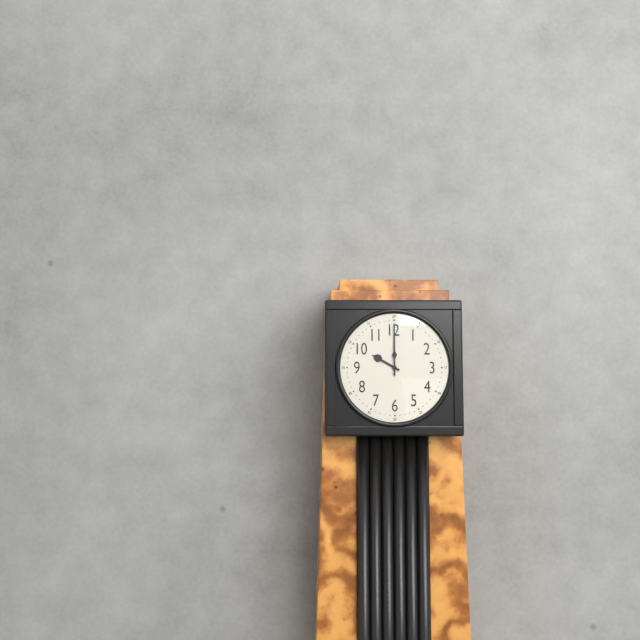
10:00
